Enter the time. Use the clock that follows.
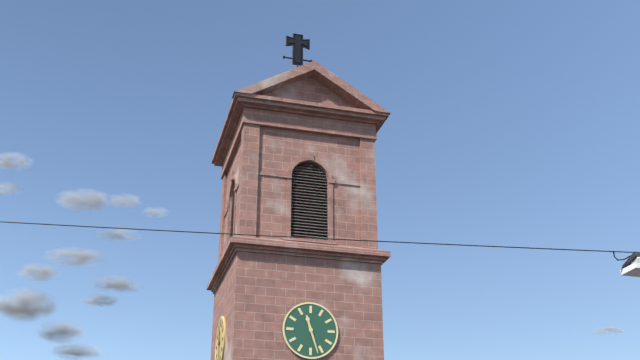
11:27
